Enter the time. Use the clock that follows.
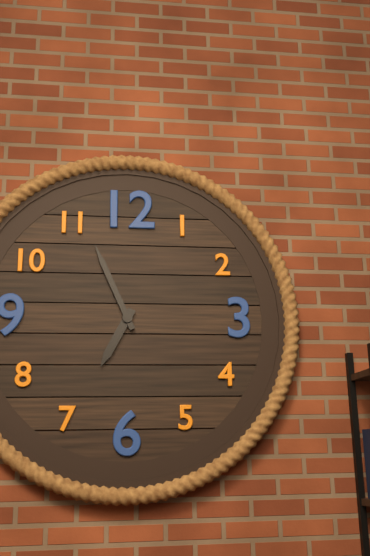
6:56
